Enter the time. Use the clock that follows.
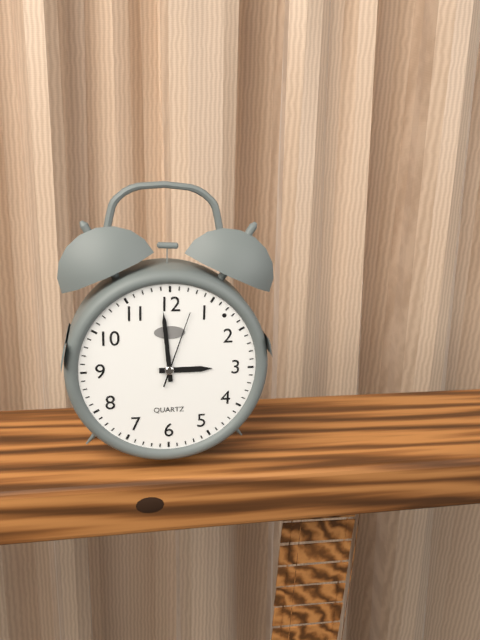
2:59:03
